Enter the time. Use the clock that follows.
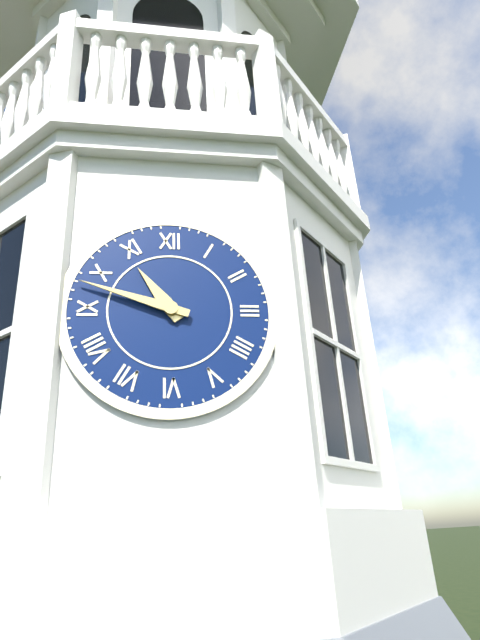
10:48
